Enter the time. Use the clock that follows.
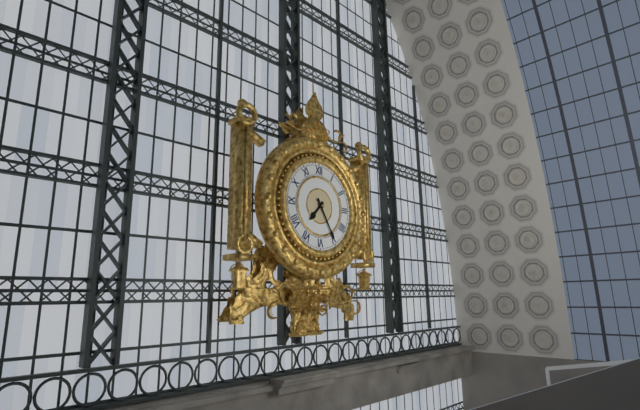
7:25
